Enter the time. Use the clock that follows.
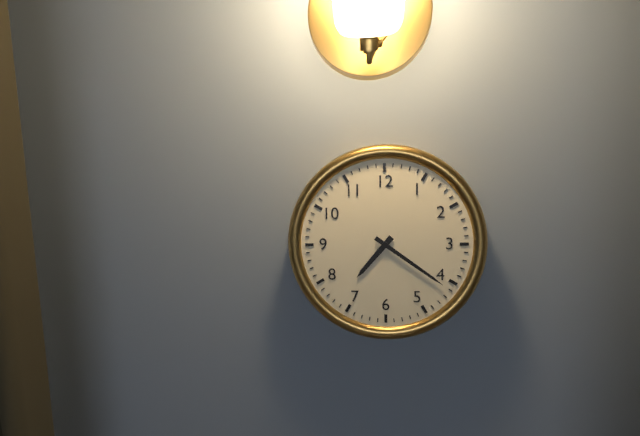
7:21
